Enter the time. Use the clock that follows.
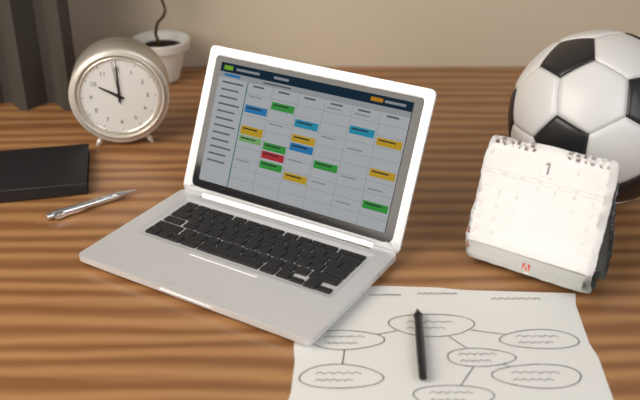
10:00
